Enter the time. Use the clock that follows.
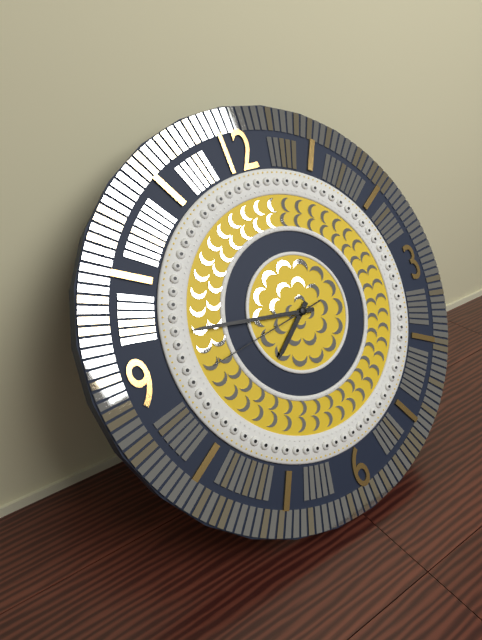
7:47:44
